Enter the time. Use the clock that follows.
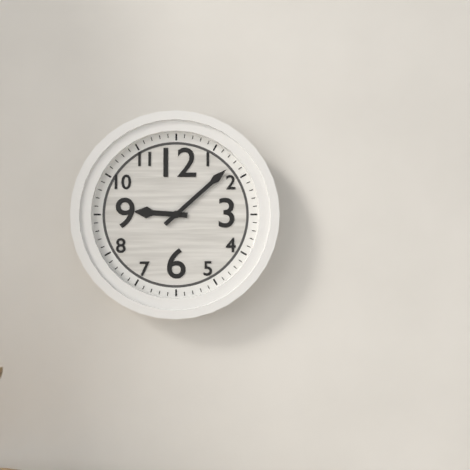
9:08
